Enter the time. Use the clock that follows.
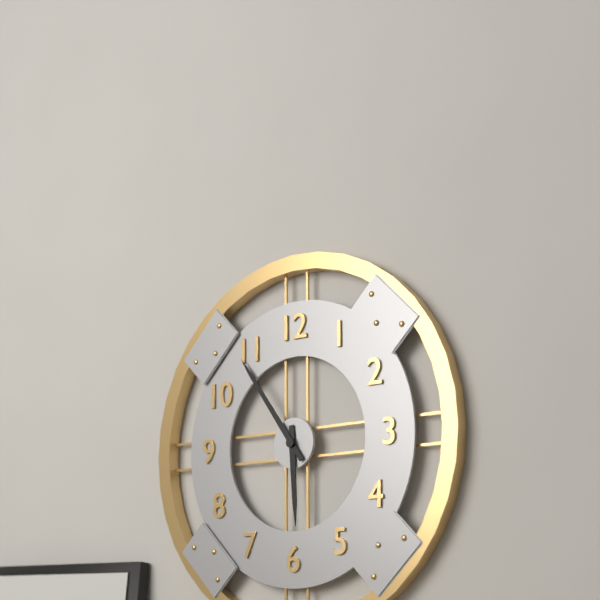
5:54
